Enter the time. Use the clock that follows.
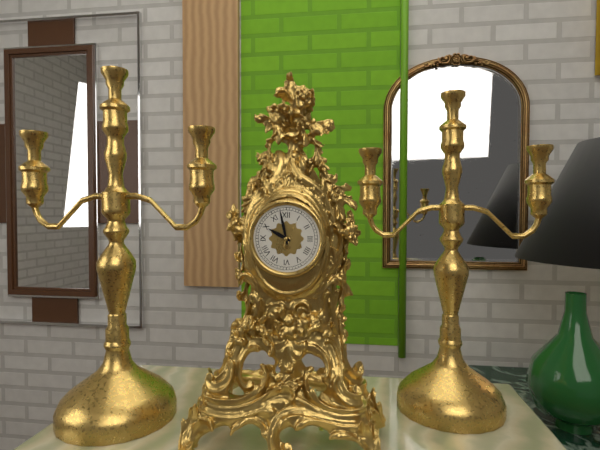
9:58
